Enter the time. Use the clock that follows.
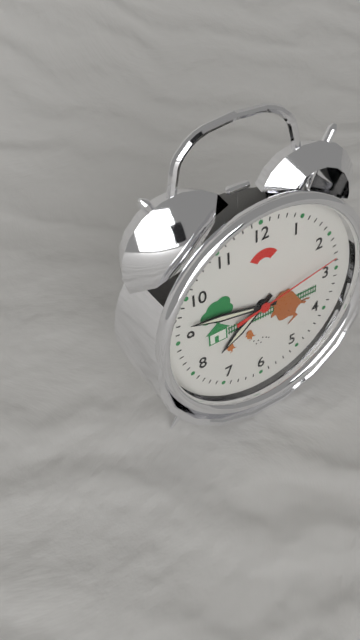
7:47:13
